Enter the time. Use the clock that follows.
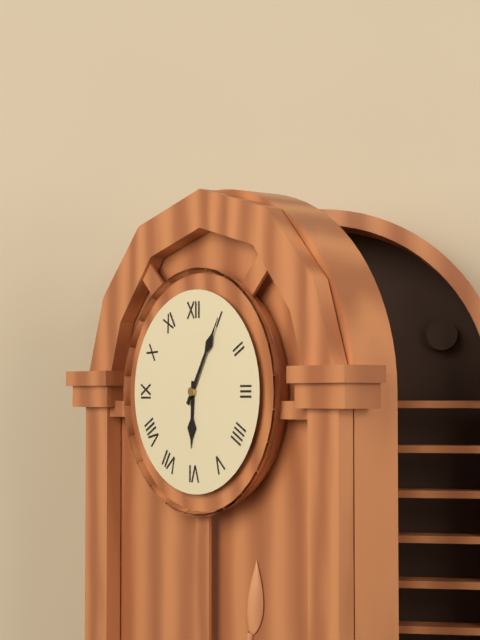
6:05
